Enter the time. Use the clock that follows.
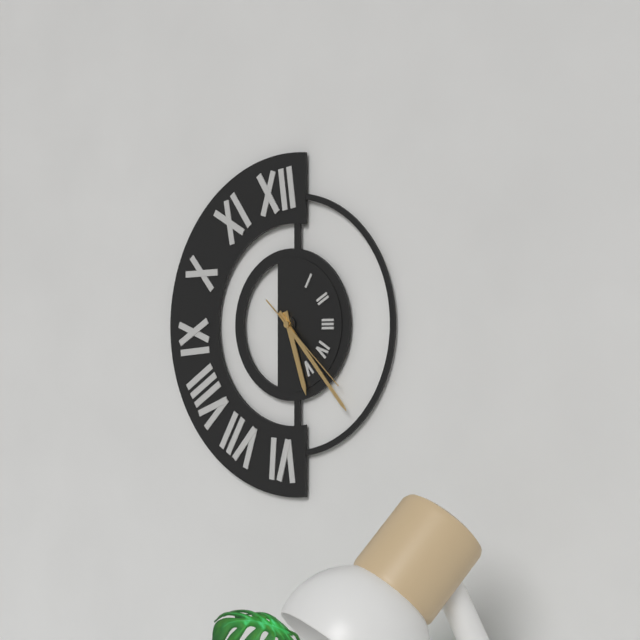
5:23:22
